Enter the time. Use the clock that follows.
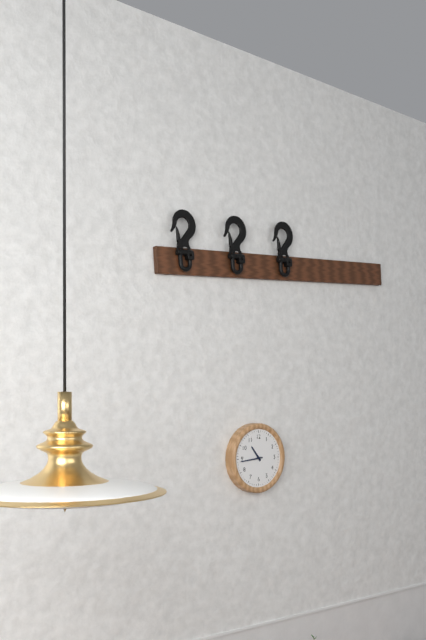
10:44
